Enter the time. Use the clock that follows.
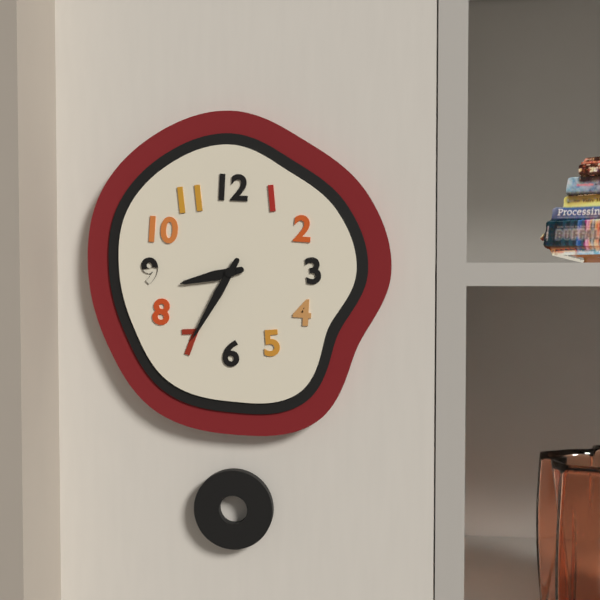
8:35
